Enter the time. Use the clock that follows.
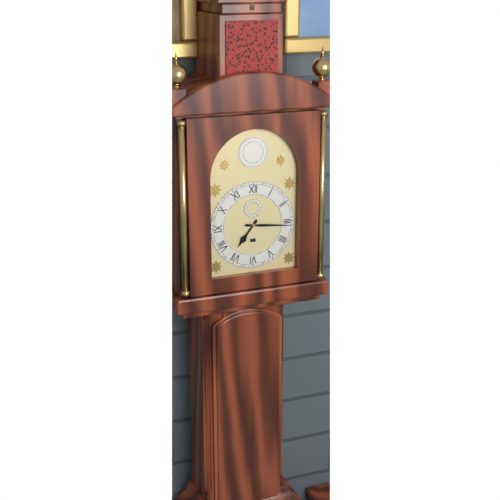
7:16
